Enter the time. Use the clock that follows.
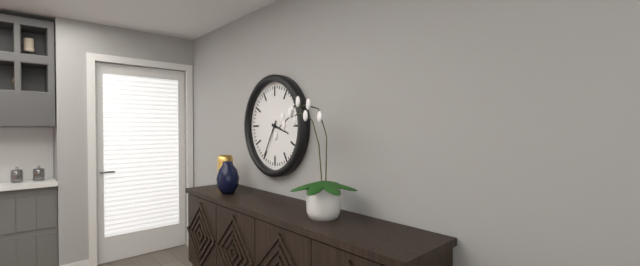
3:35
